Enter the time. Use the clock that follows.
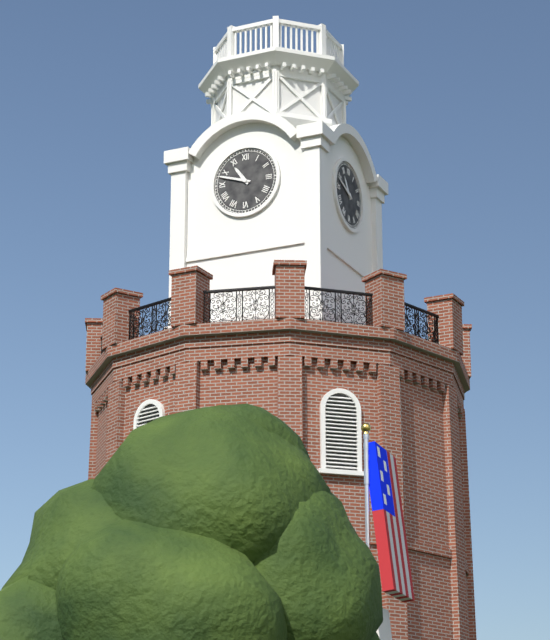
10:48
